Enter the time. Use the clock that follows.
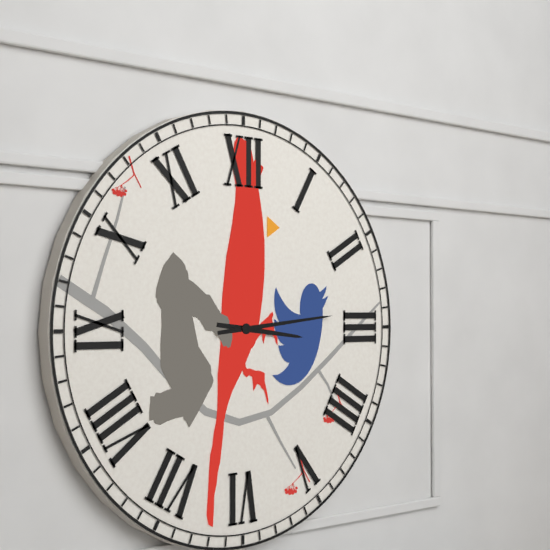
3:14
